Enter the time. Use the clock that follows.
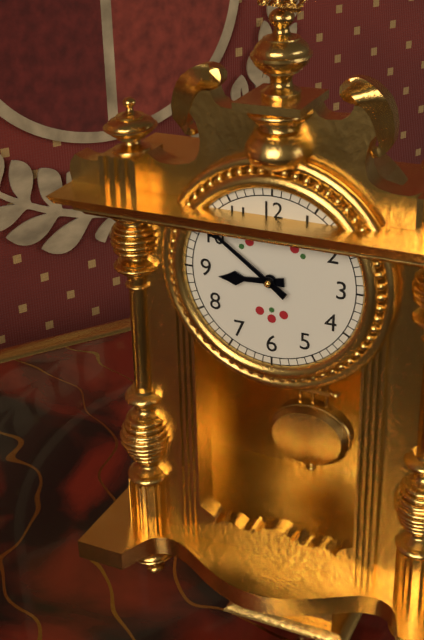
8:51
